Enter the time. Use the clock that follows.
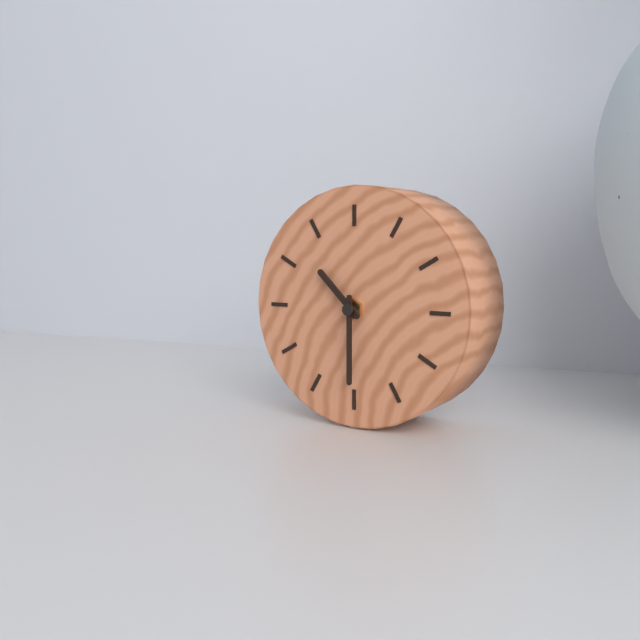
10:30
